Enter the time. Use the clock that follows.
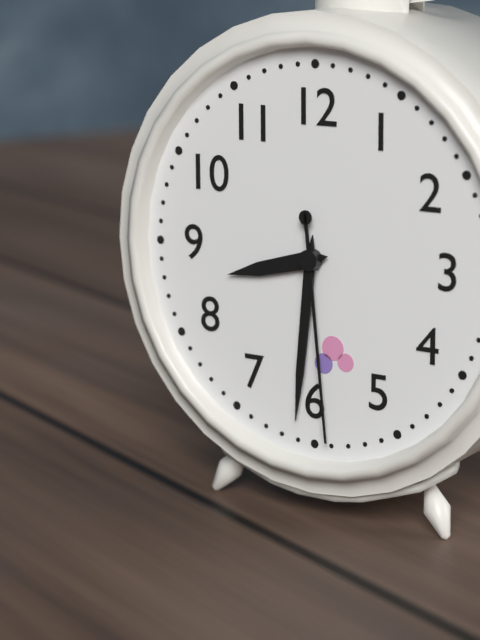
8:31:29
